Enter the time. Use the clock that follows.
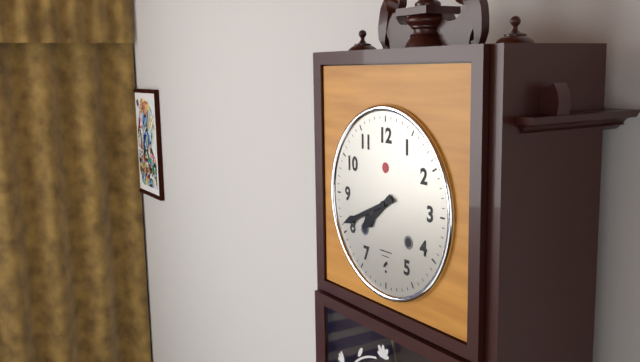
7:41
